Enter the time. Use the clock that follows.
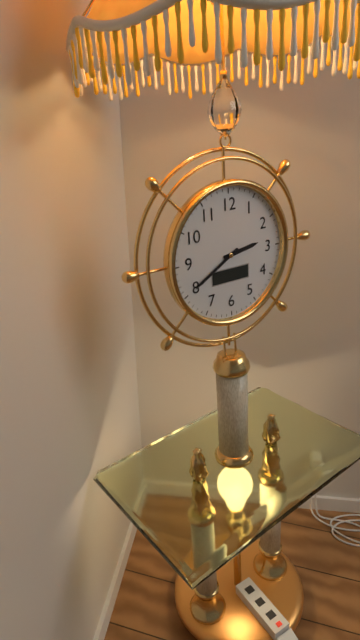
2:40
